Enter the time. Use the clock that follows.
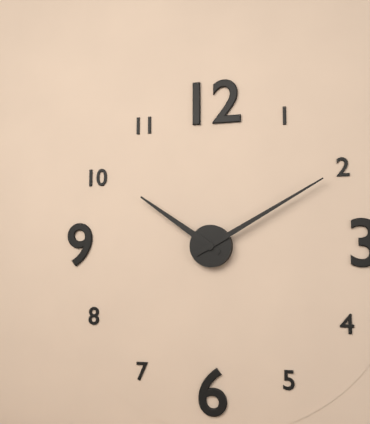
10:10
